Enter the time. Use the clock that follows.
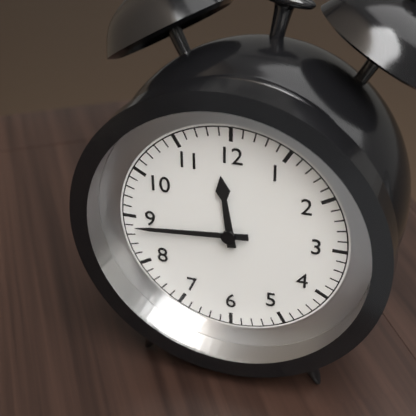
11:44
